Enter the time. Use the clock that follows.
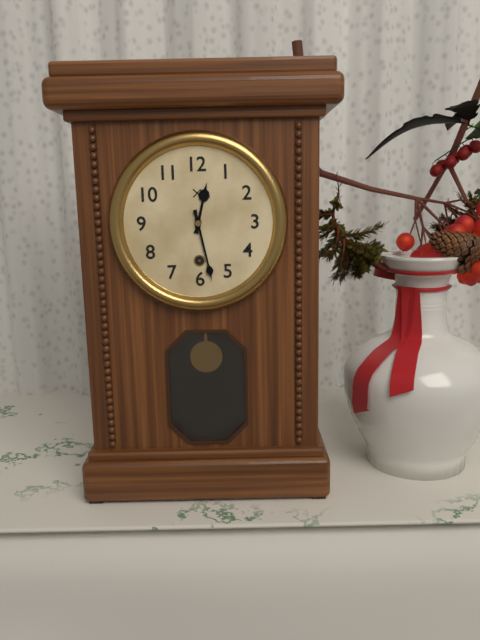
12:28
